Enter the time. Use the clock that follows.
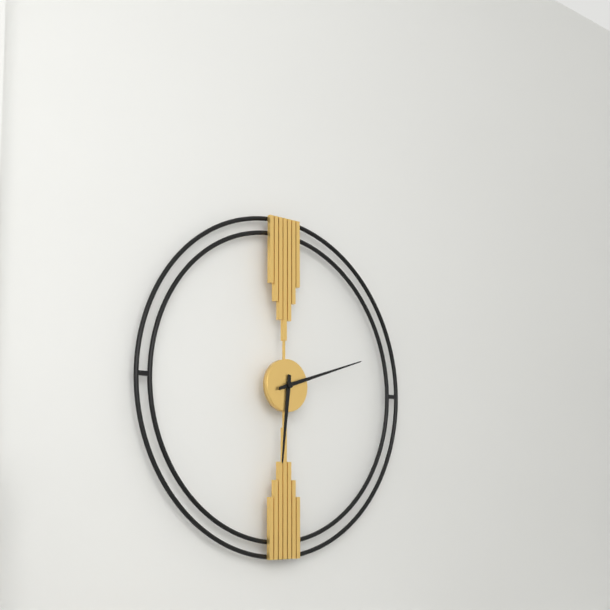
6:12
